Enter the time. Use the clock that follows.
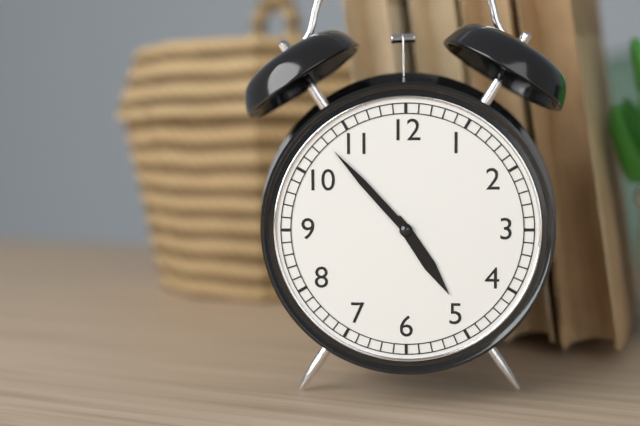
4:53
